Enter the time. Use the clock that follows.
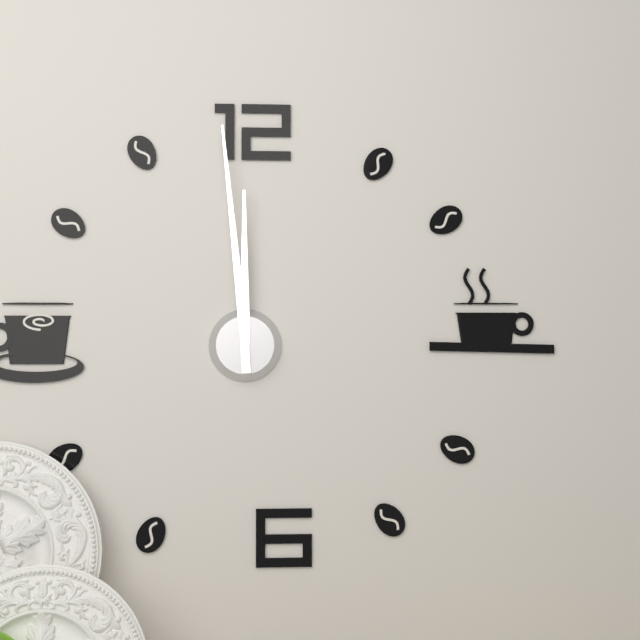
11:59
